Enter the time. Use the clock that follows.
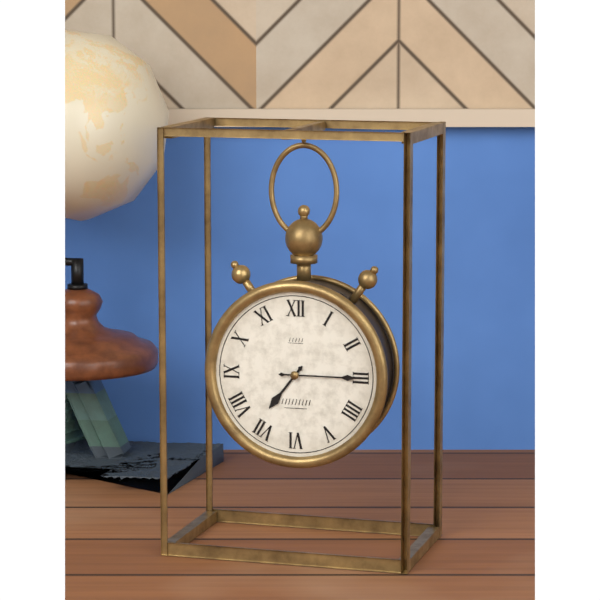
7:15
